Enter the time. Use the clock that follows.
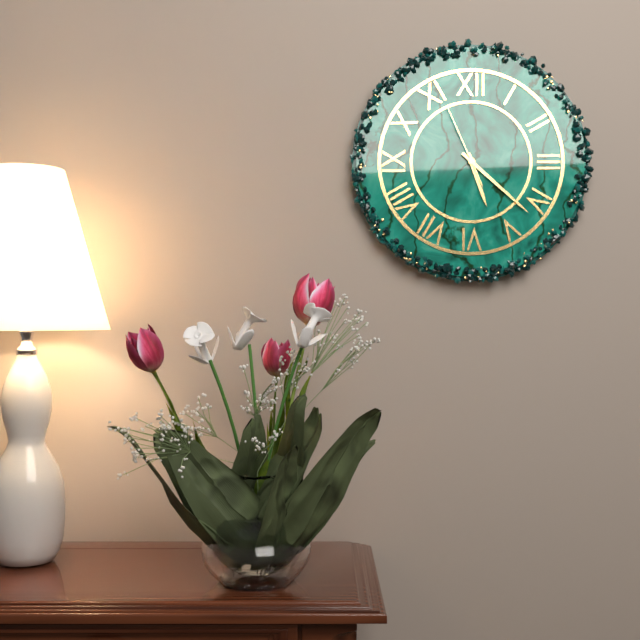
5:22:56
